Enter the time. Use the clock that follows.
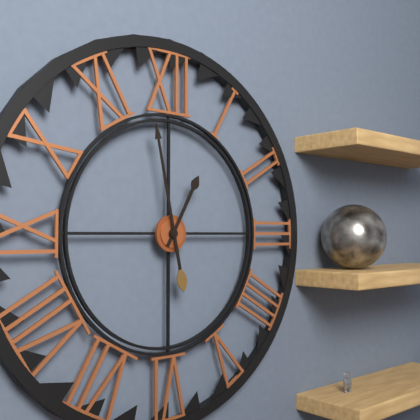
12:58
